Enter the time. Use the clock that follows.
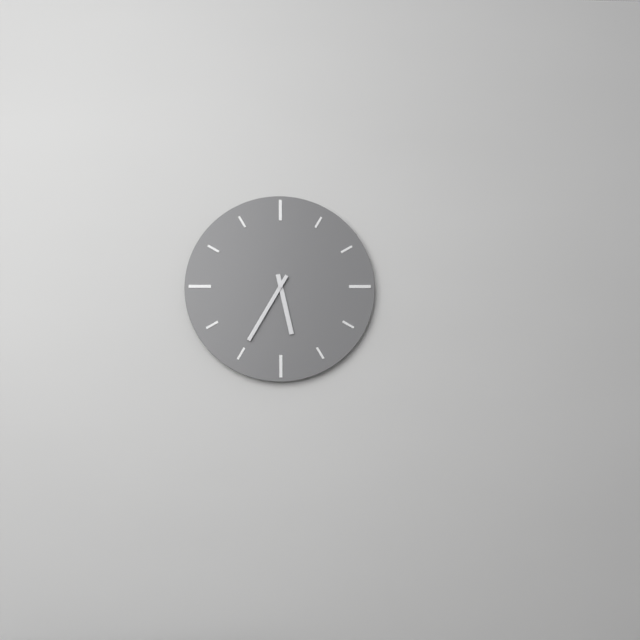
5:35
